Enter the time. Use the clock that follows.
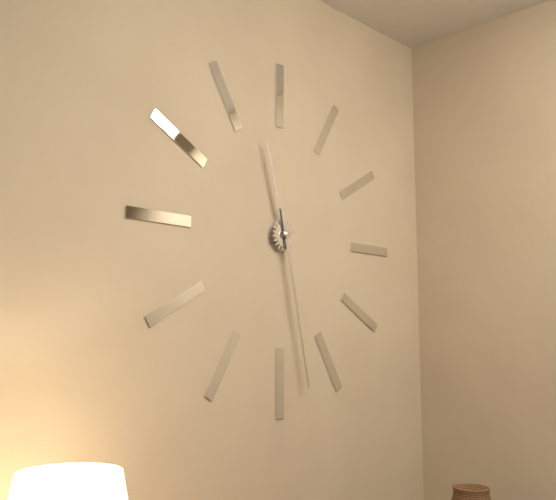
11:28
